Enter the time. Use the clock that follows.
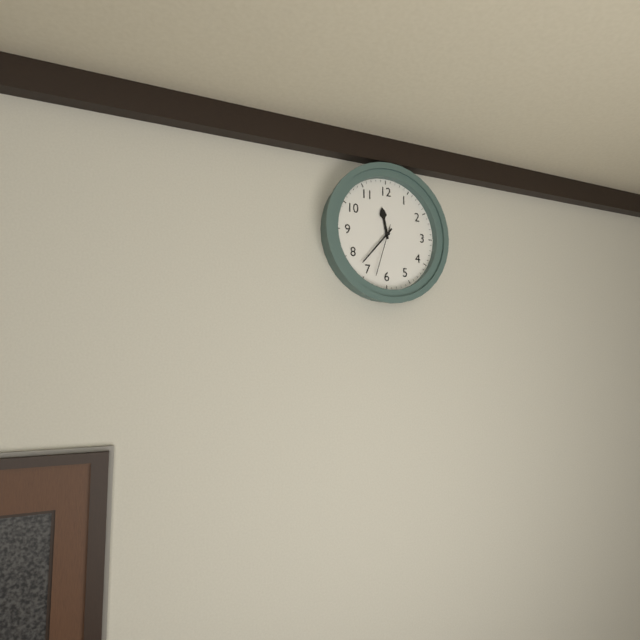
11:37:33
